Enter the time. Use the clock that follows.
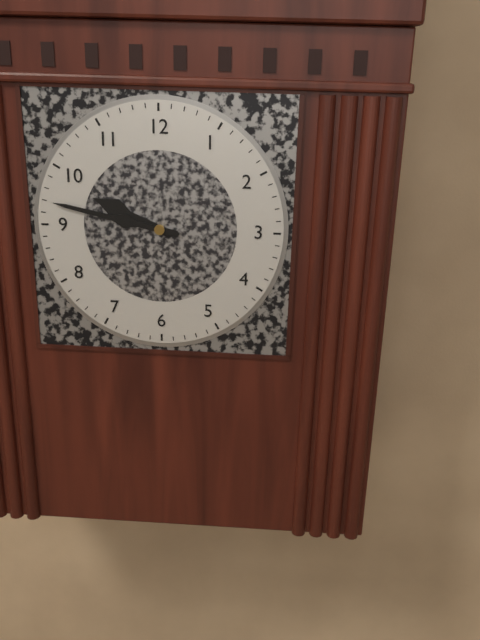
9:47
